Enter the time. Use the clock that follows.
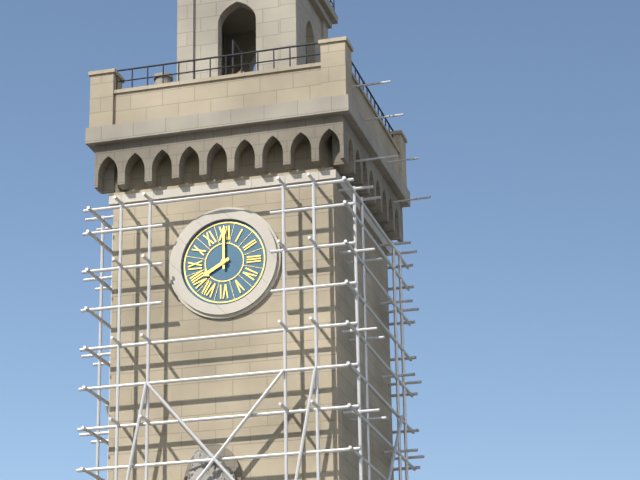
8:00
